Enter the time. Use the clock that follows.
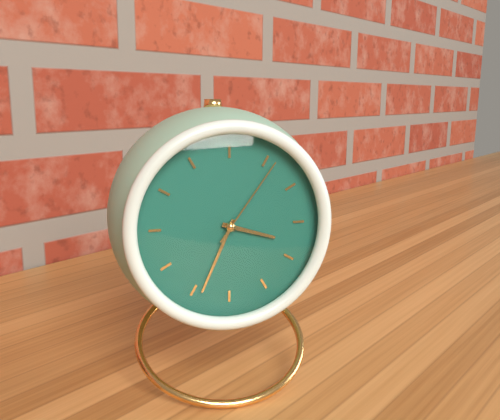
3:34:06
